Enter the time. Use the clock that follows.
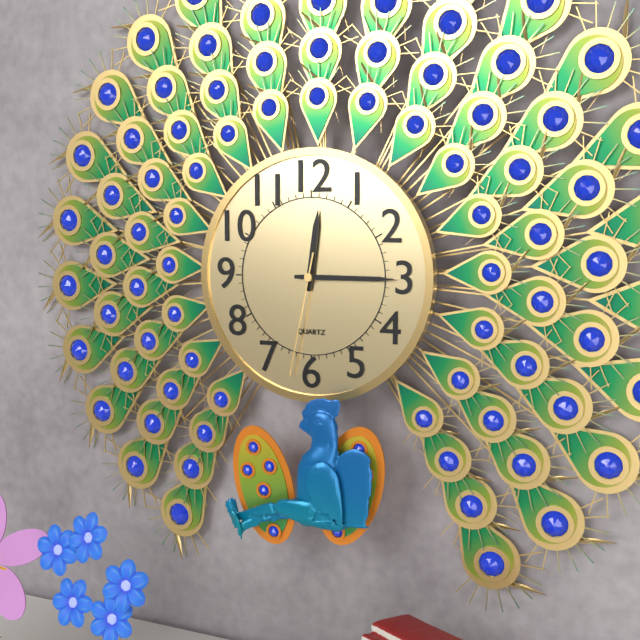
12:15:32
